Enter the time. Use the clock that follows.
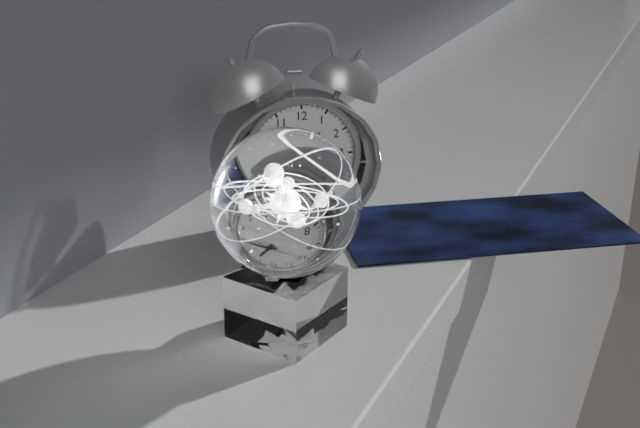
1:15:49
